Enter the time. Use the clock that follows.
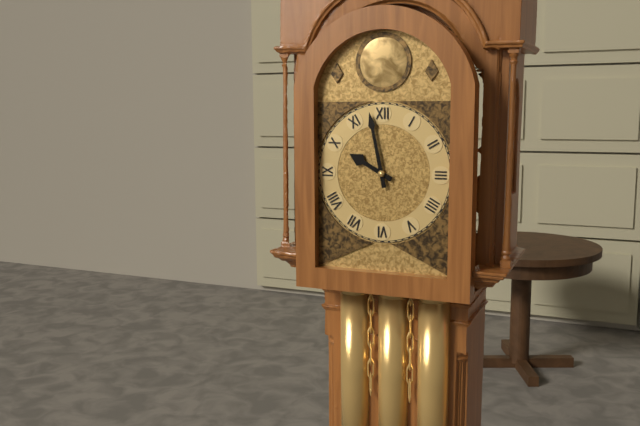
9:58
